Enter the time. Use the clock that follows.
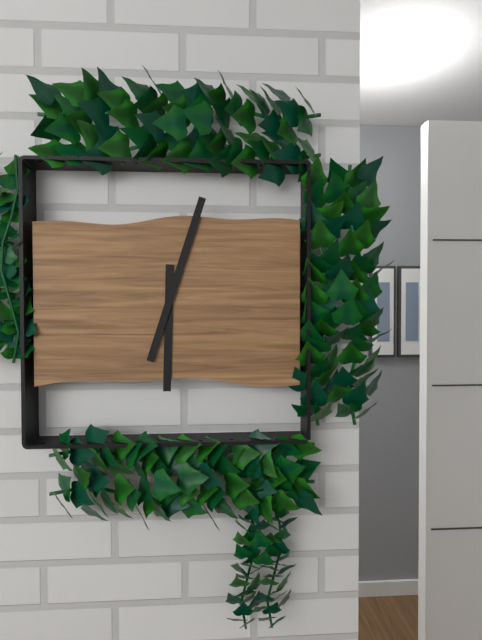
6:03
